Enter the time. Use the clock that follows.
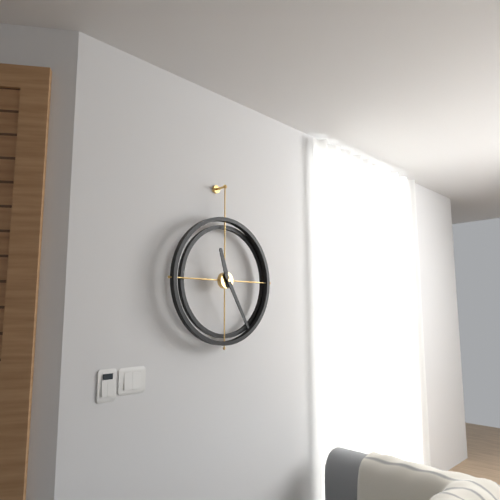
11:25
